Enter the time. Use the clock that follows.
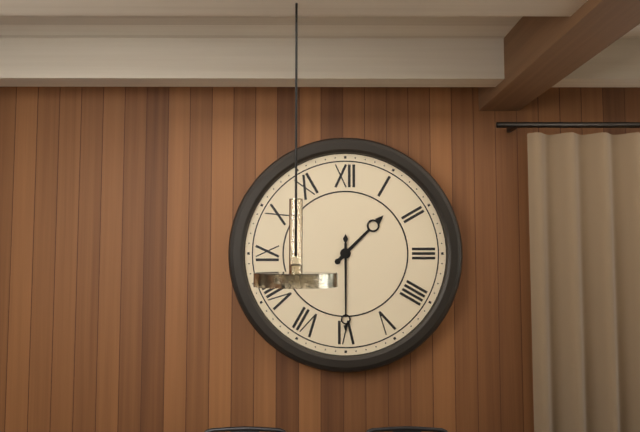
1:30
